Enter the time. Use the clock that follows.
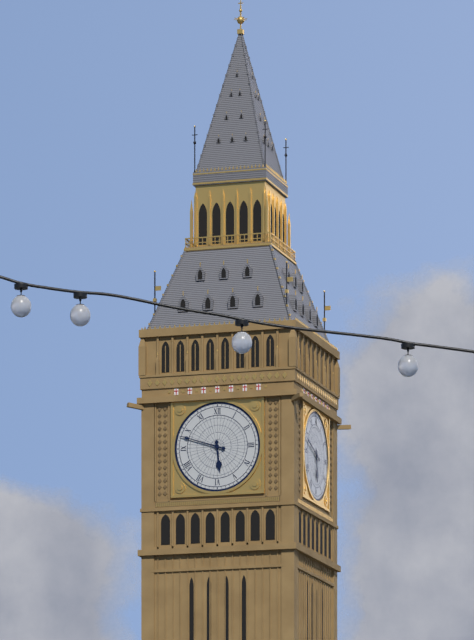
5:48
